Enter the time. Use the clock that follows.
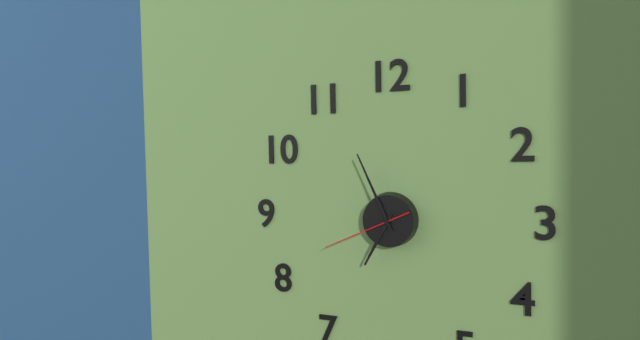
6:56:41
